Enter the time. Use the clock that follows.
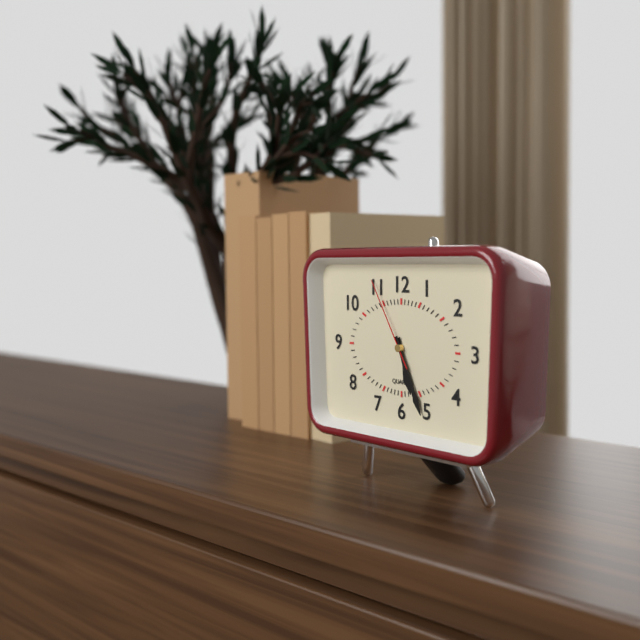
5:26:55
